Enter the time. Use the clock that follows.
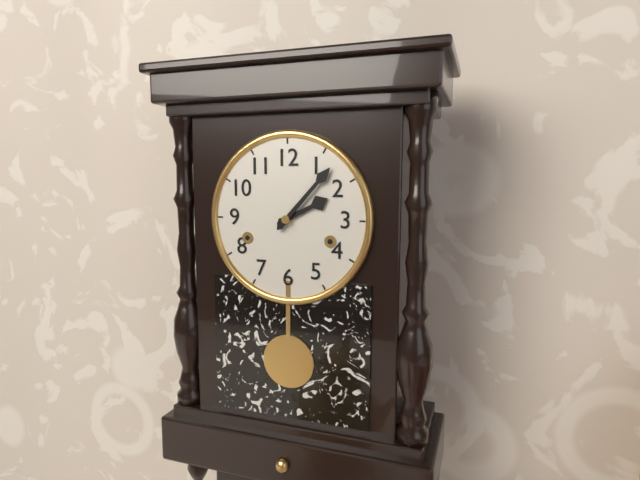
2:07
